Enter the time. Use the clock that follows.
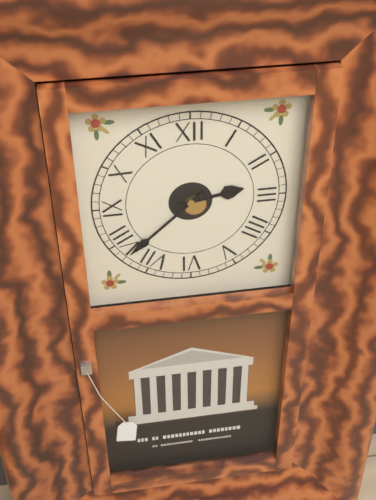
2:38
